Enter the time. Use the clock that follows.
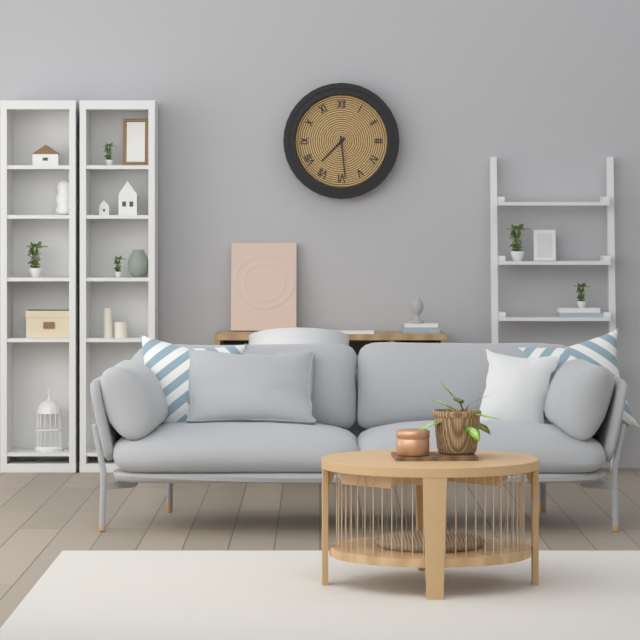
7:29
